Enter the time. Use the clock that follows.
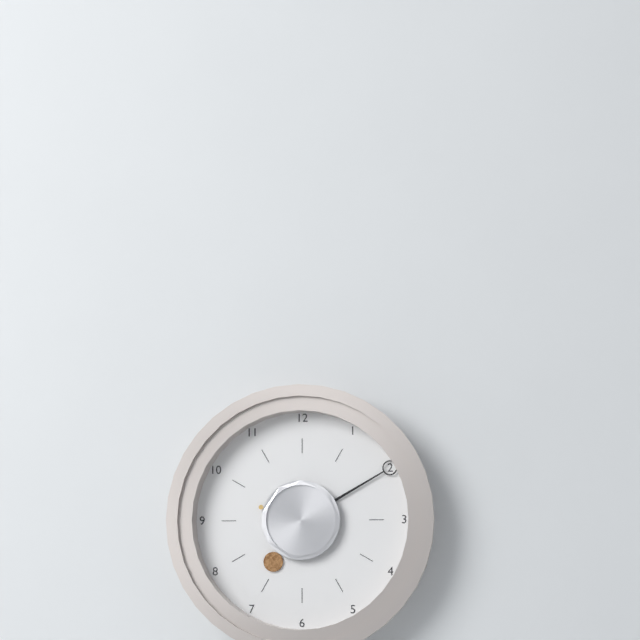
7:10
